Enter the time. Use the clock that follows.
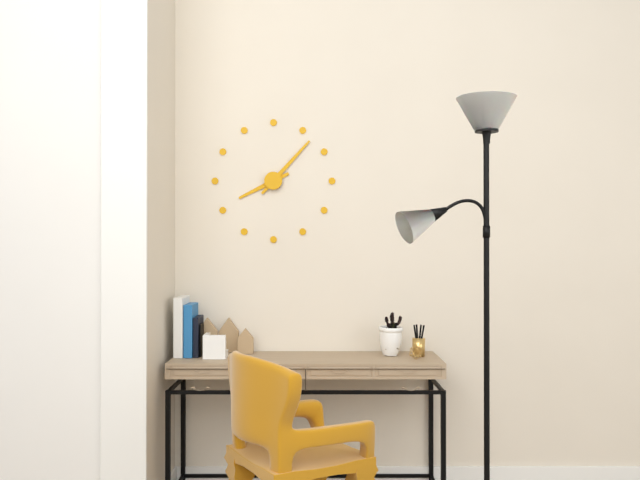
8:07
